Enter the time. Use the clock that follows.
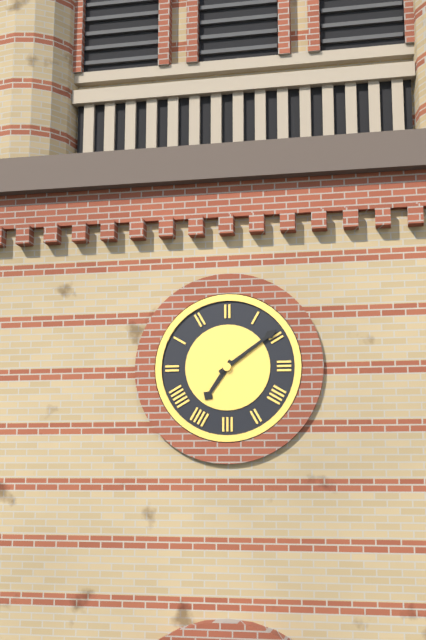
7:09
